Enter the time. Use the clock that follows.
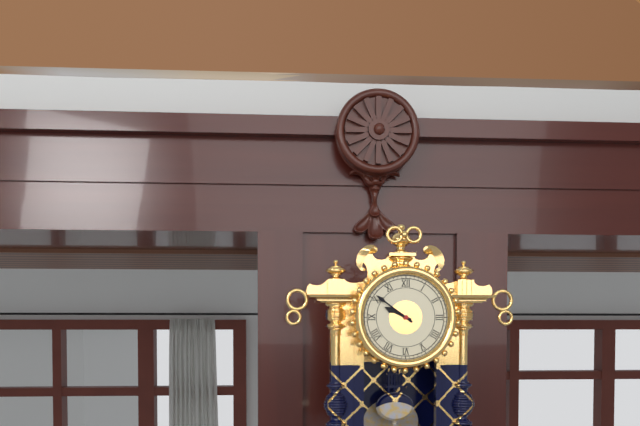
9:51
